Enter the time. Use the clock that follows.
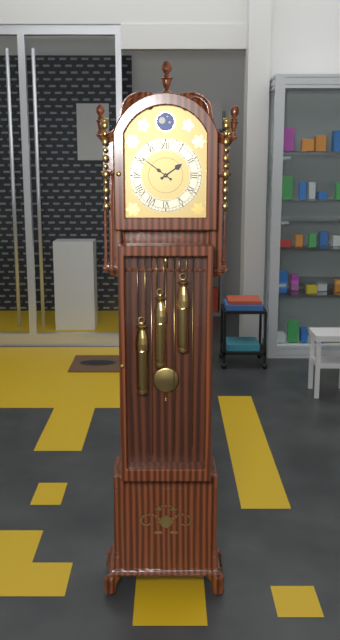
1:51
